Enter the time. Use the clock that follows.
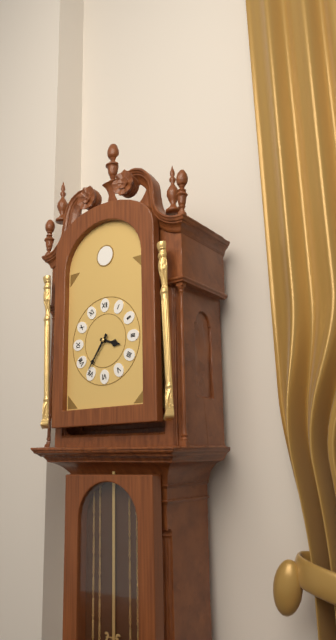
3:36
